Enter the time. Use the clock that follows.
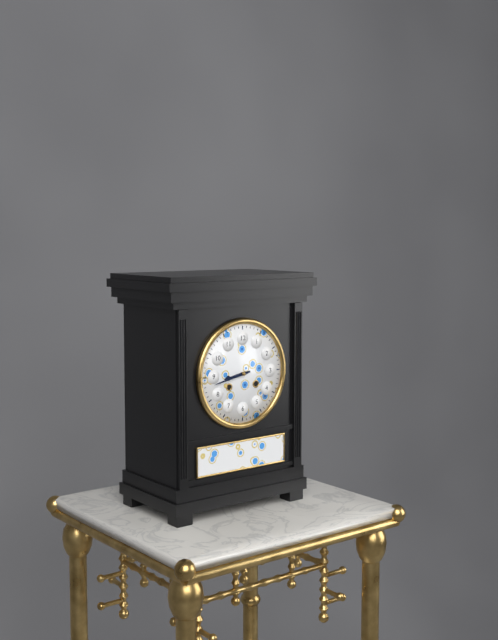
8:43
